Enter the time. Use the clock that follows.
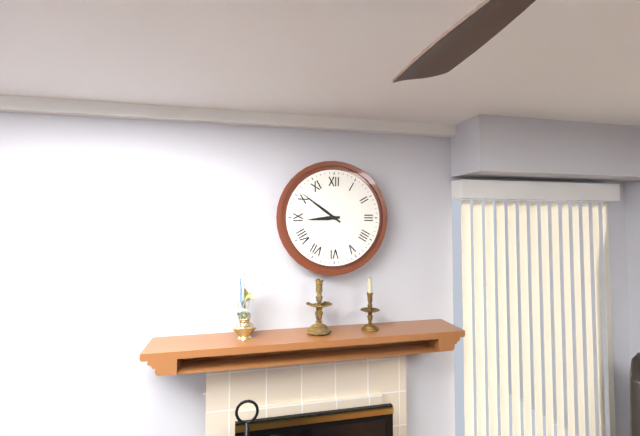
8:51
